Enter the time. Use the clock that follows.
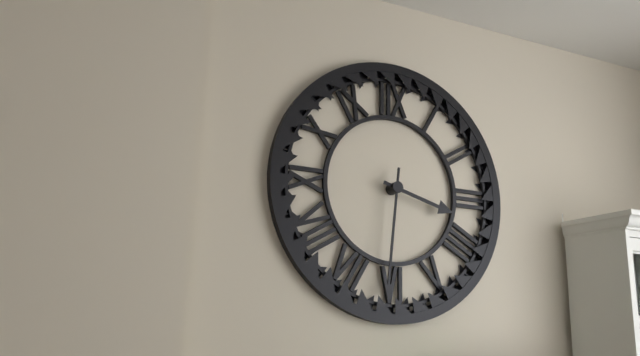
3:31
